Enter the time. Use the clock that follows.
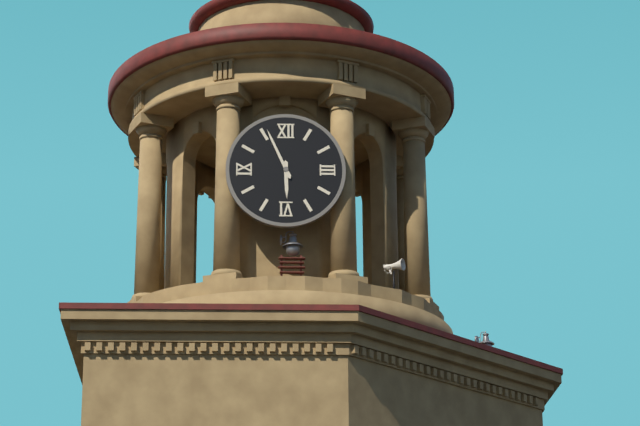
5:56
